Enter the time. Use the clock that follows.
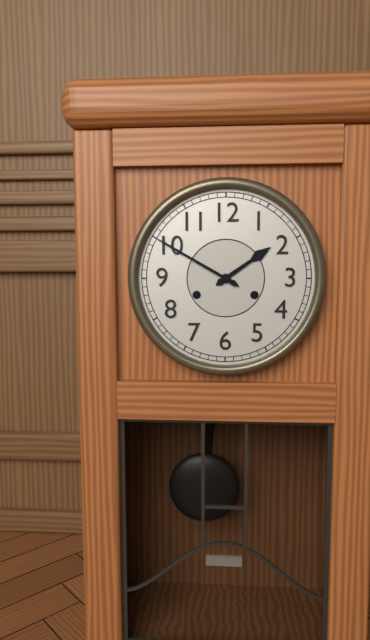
1:50
